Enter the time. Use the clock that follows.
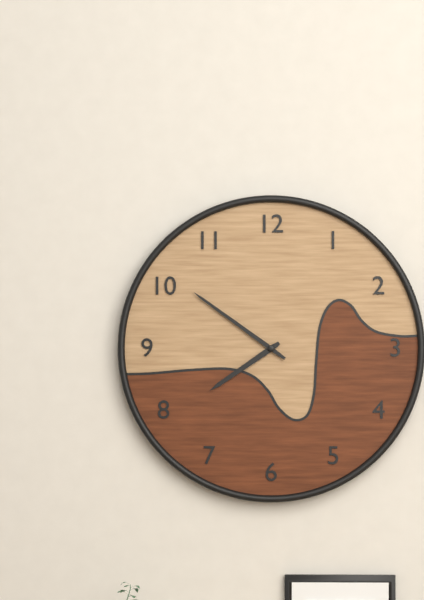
7:51
